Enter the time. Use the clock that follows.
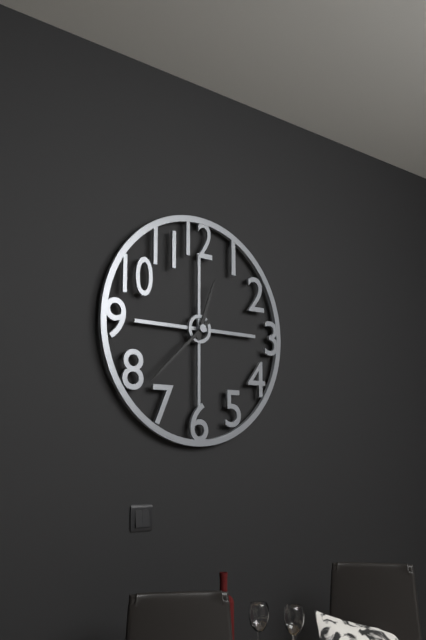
12:38
